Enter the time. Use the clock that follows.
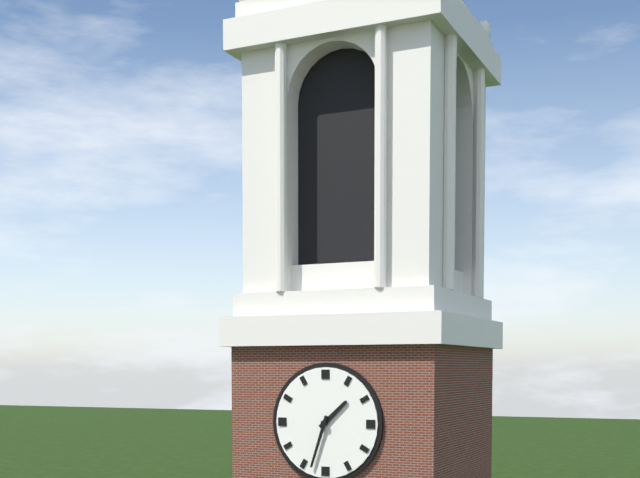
1:33
